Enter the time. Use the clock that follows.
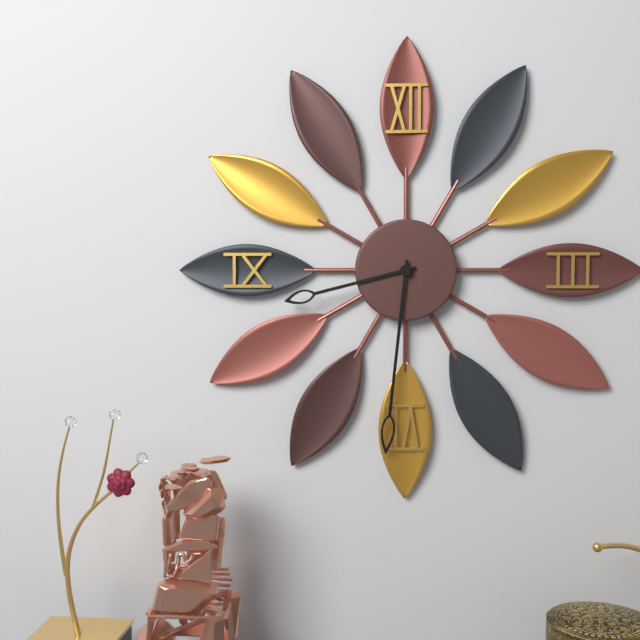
8:31
